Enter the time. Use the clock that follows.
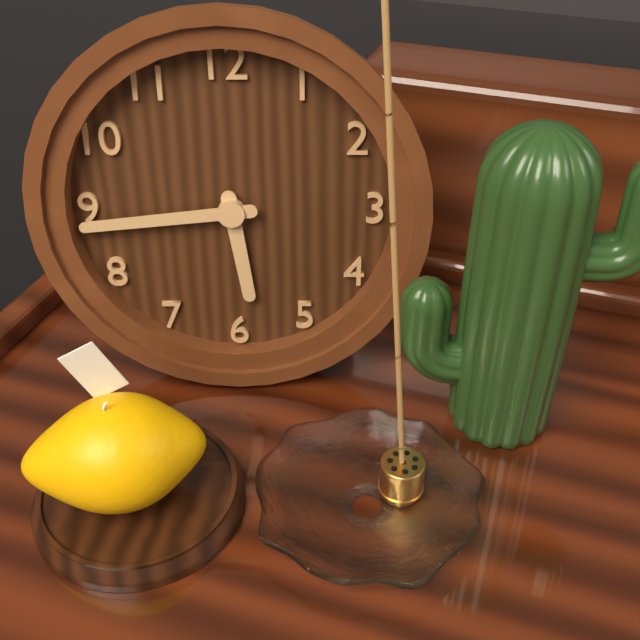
5:44
